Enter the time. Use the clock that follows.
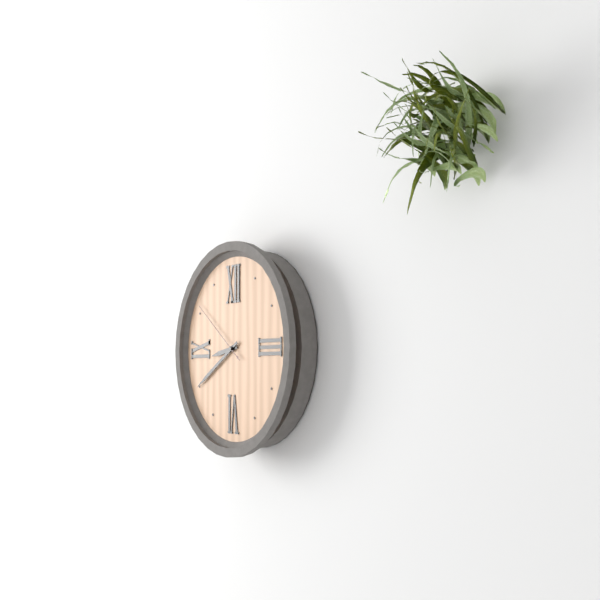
8:40:51
